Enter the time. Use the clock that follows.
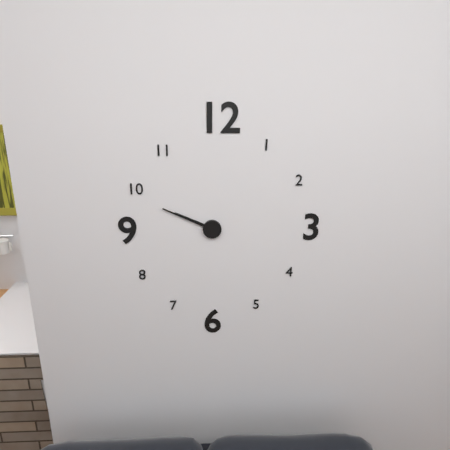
9:49
